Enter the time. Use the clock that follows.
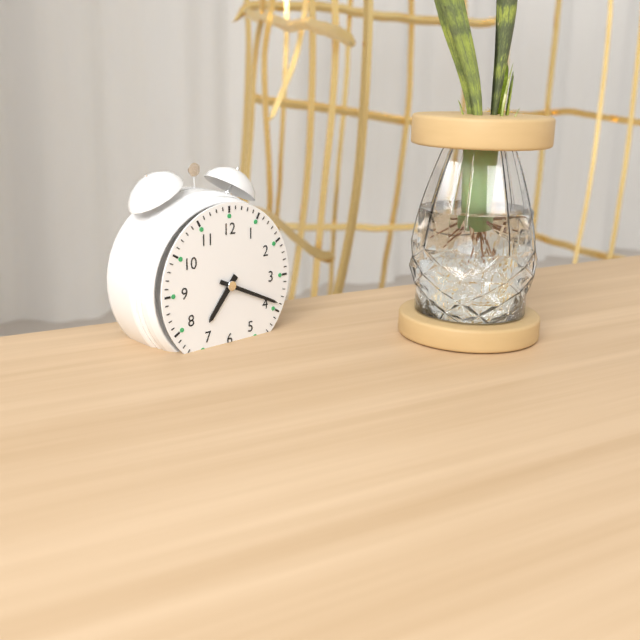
7:19
